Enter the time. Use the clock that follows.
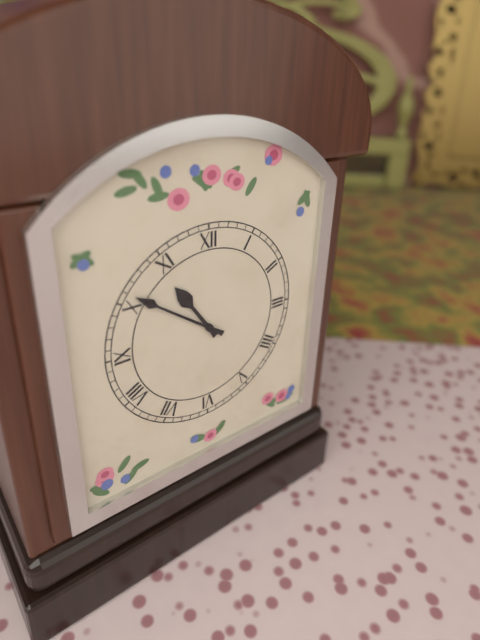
10:51
